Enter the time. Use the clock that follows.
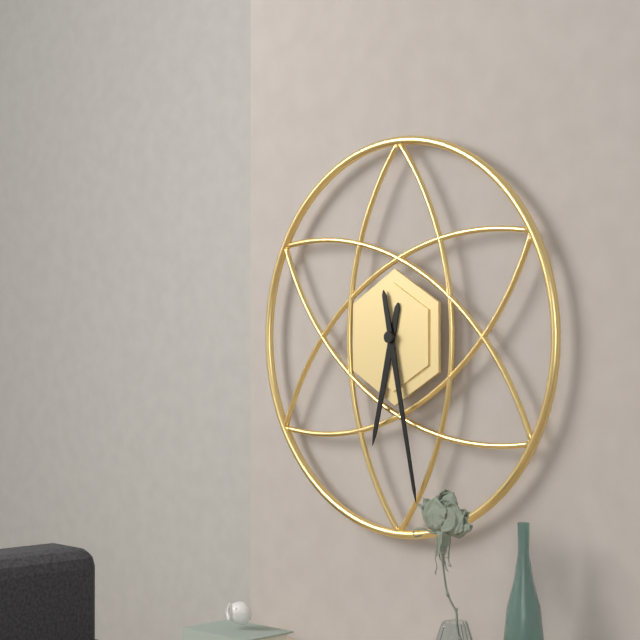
6:28
